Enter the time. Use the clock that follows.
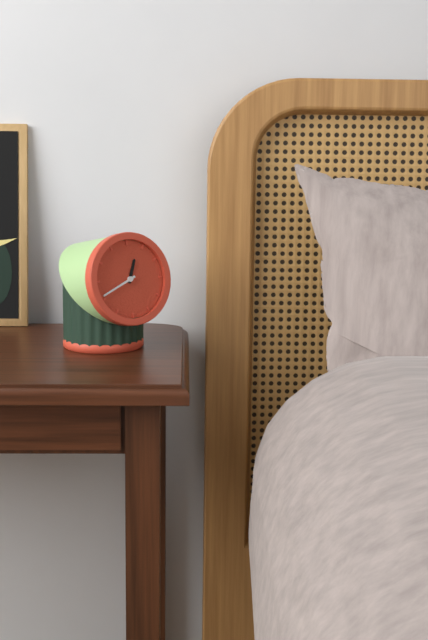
12:41
